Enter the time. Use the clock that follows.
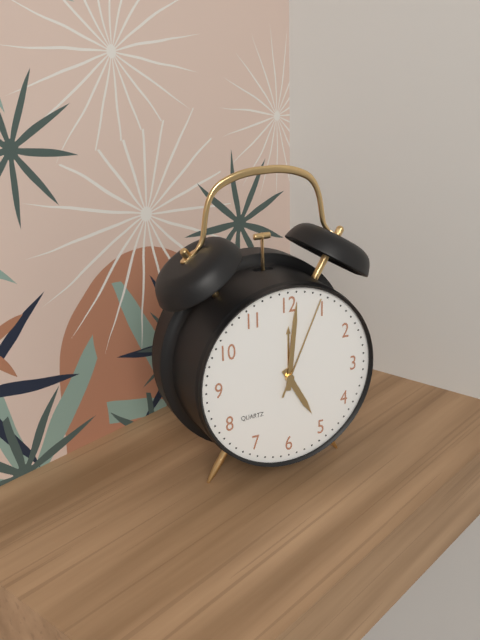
5:01:04
